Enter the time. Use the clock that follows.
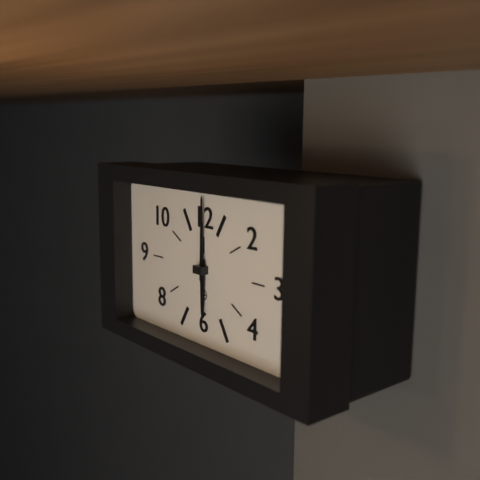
6:00
